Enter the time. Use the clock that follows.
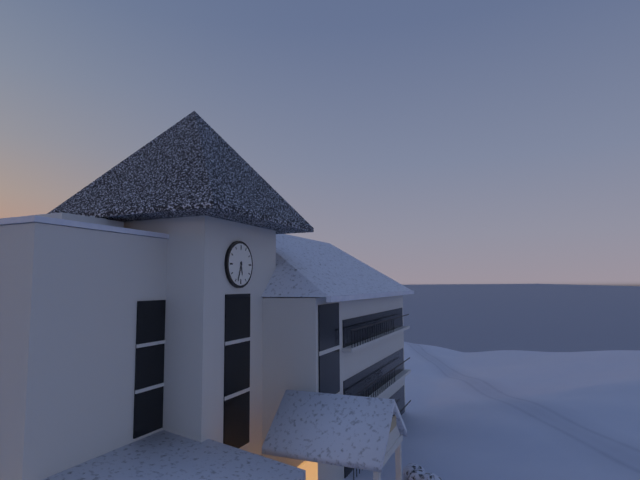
5:33
